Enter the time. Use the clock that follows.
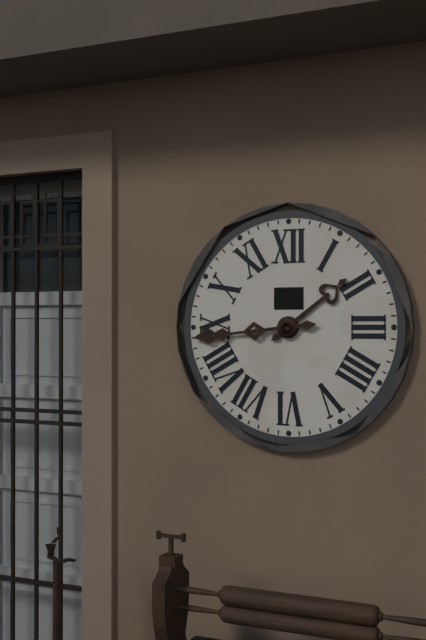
1:44
